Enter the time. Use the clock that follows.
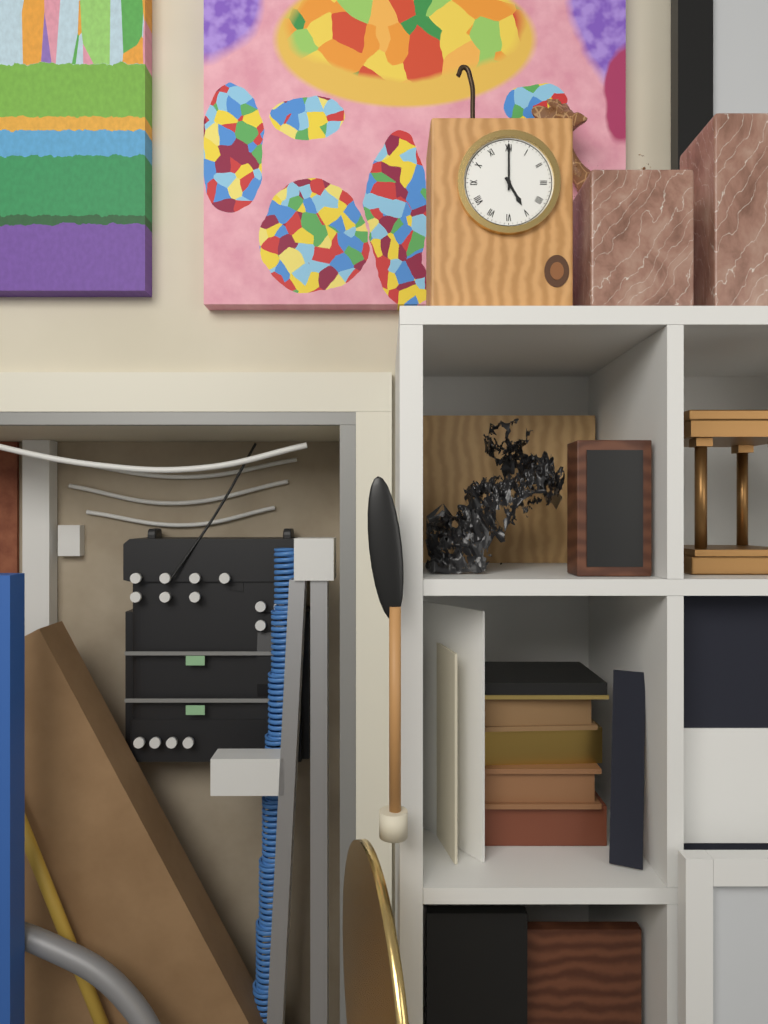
5:00
